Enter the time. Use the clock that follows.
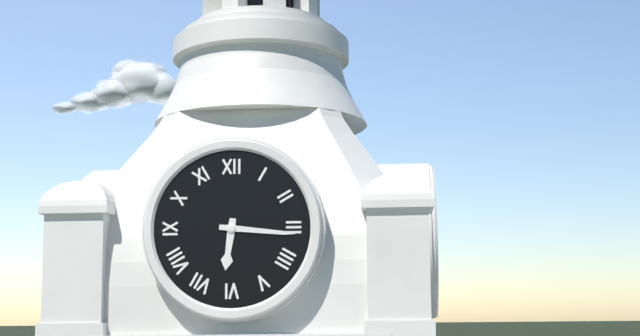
6:16
